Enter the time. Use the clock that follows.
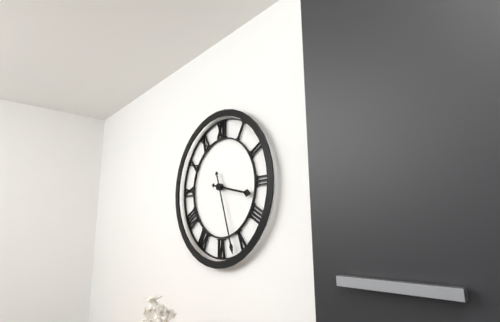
3:27
